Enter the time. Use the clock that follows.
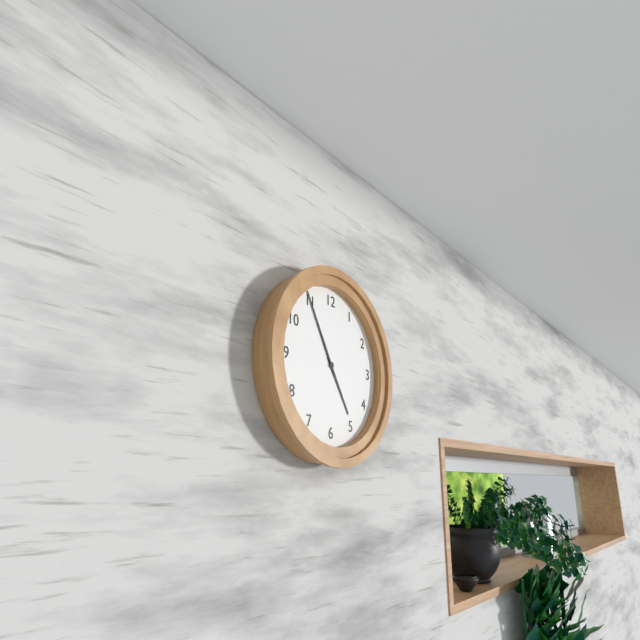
4:55
